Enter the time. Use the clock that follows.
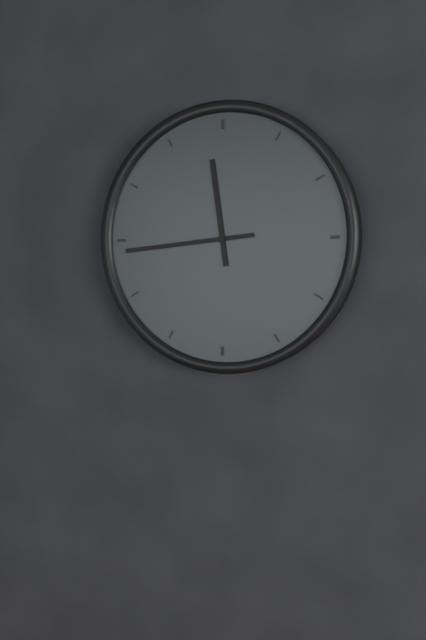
11:44
